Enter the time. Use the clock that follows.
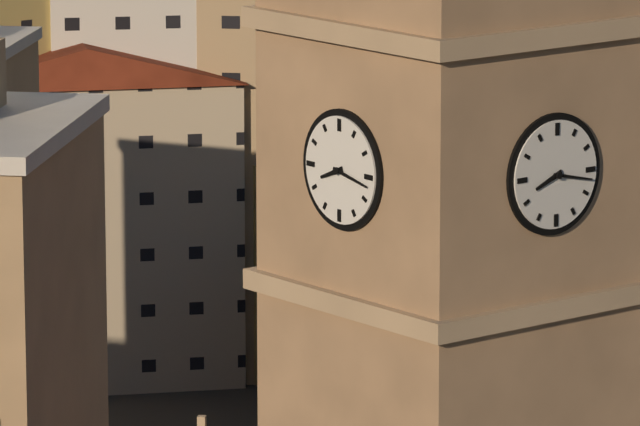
8:17
